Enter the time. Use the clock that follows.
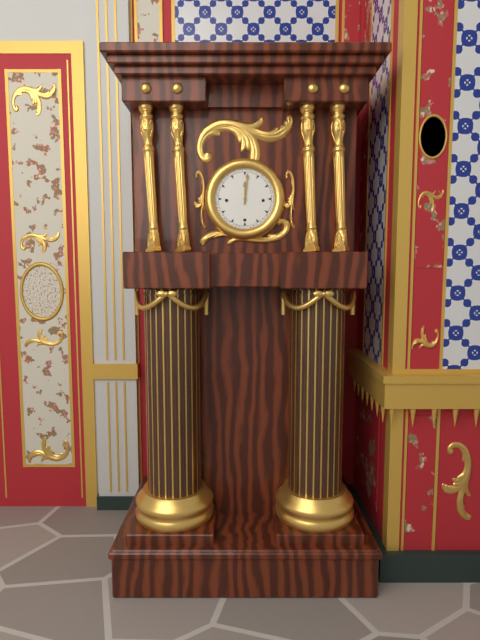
12:01
